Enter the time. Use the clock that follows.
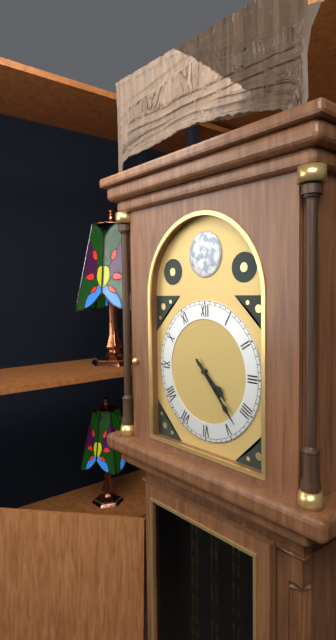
4:23
